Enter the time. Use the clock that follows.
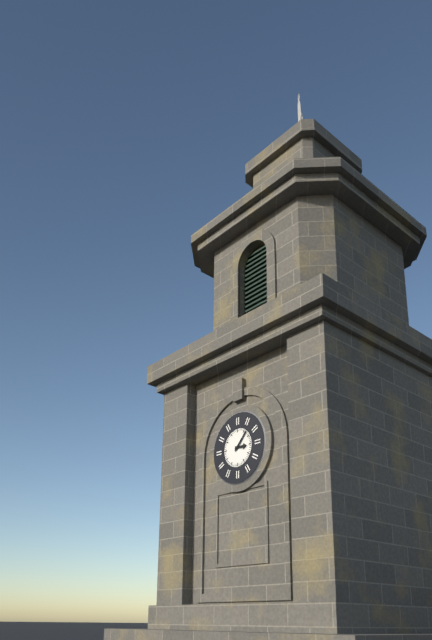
3:07
